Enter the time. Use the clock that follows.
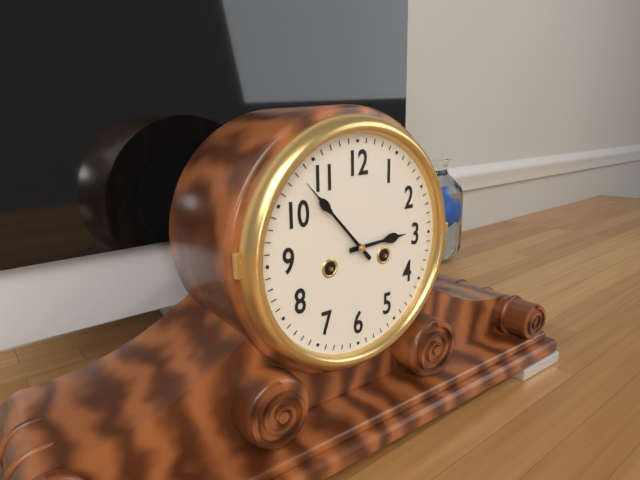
2:53
